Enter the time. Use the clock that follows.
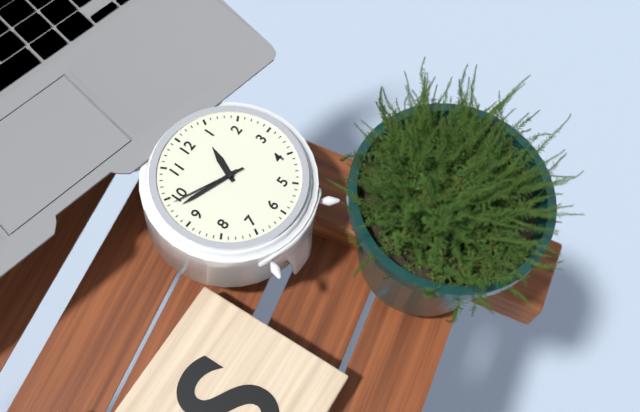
12:48:49
